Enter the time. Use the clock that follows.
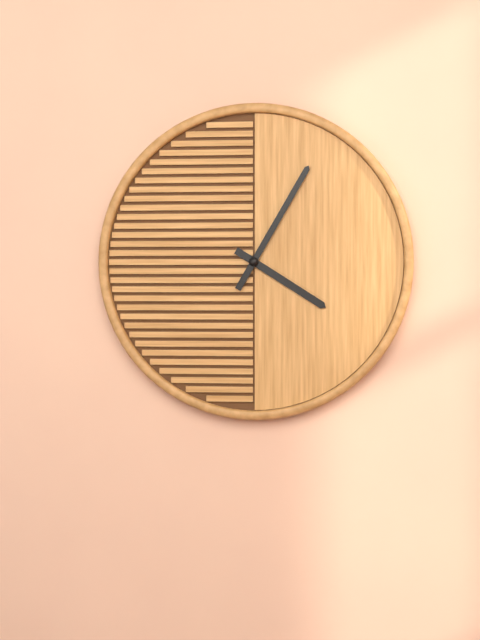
4:05
